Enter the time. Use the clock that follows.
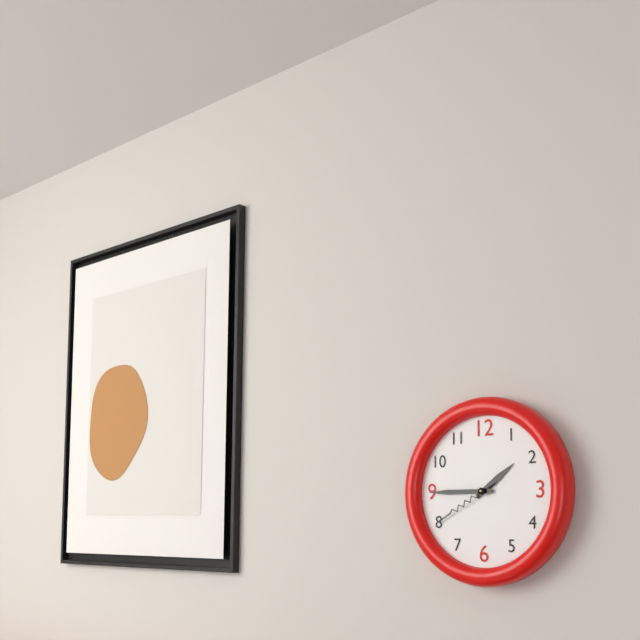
1:45:40
